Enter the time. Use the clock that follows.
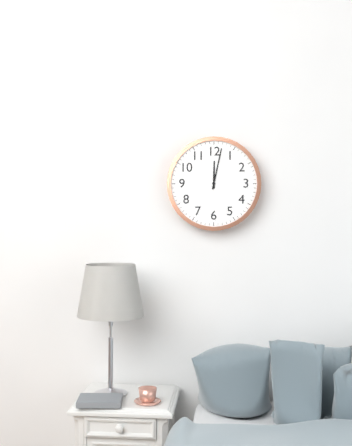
12:02
